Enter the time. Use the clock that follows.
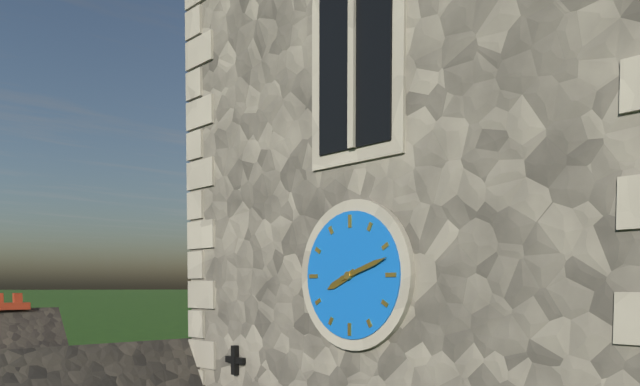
8:12
